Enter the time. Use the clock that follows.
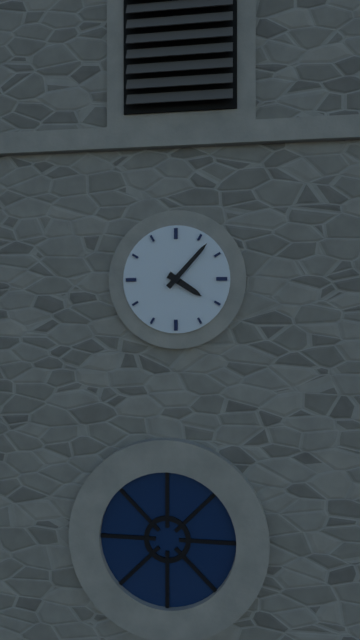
4:07
